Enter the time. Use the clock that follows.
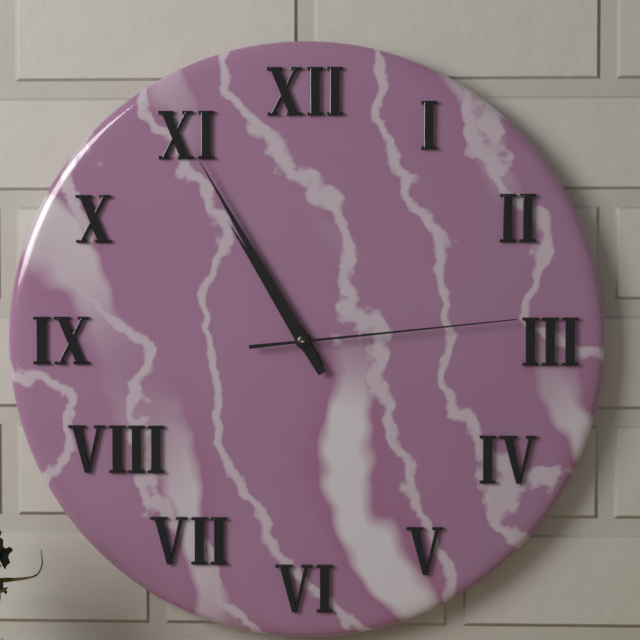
10:55:14
